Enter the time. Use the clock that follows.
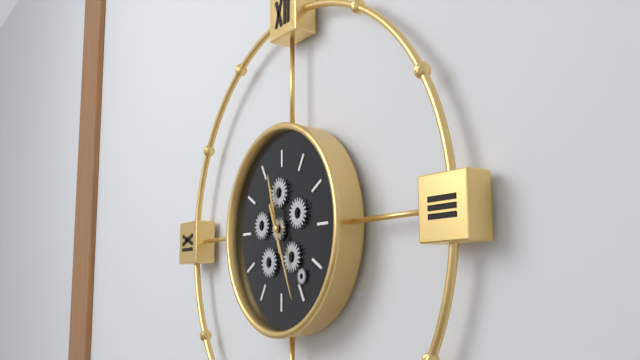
11:26
